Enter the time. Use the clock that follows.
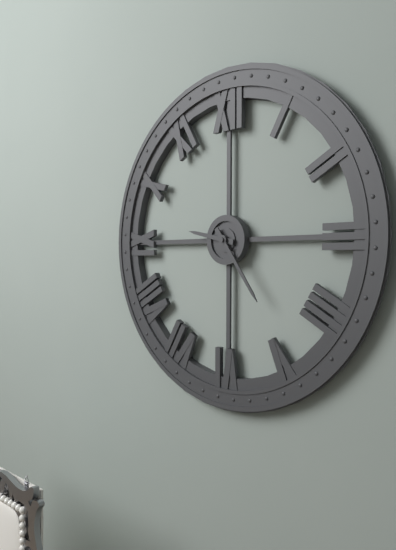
9:24
